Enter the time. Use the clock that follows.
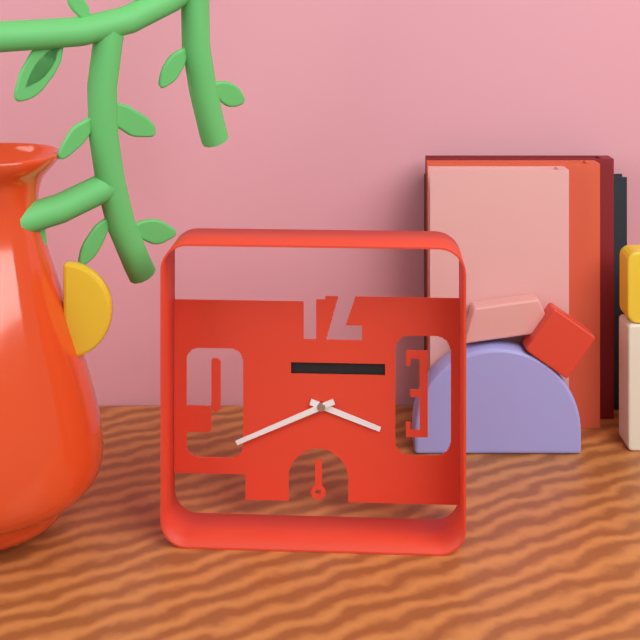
3:41
